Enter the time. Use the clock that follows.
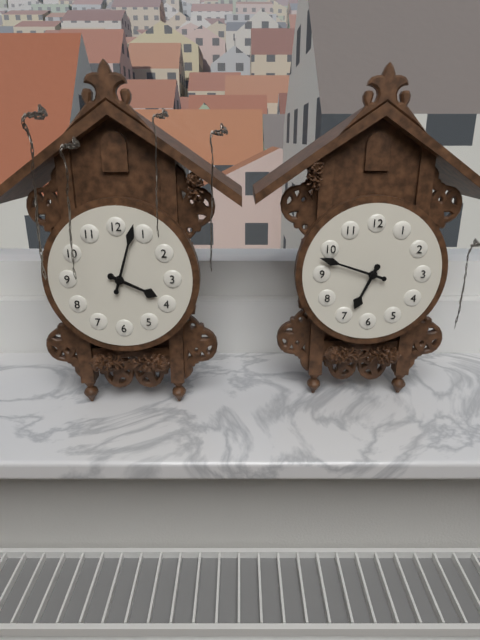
6:48
